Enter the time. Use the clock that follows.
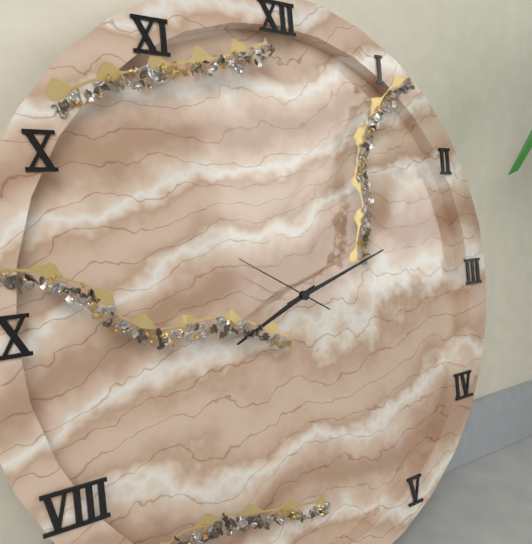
8:12:50
